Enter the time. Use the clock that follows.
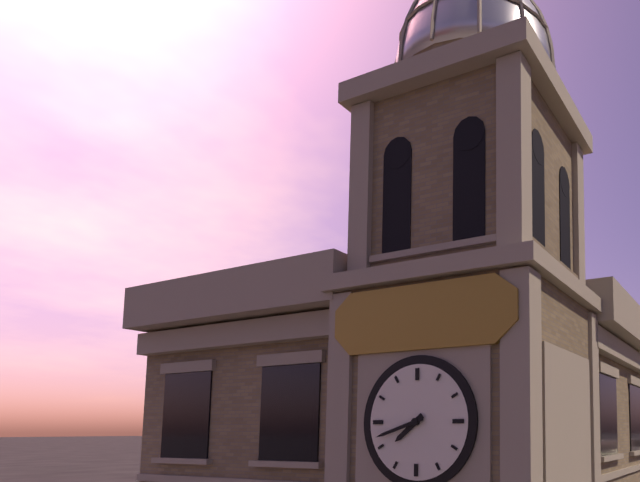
7:42
